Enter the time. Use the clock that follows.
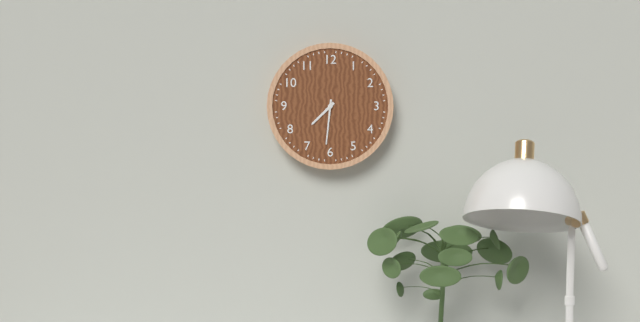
7:31
